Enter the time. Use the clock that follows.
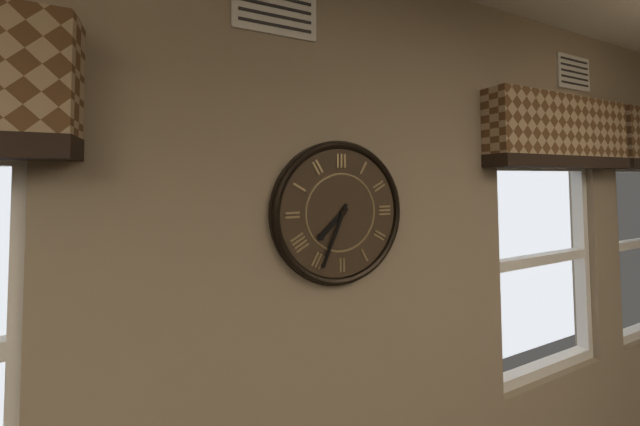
7:34
